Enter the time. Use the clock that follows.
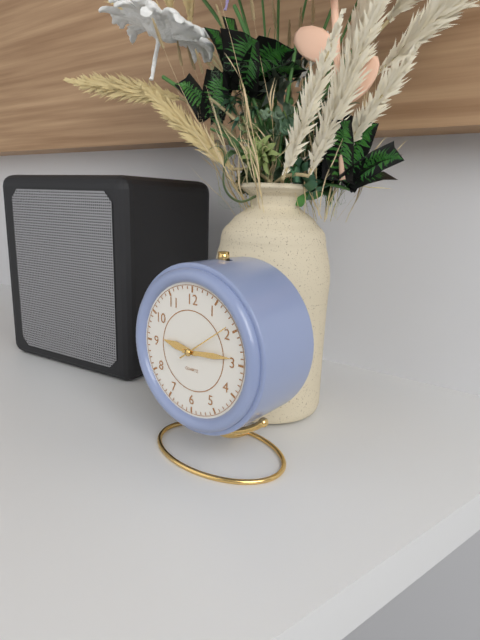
9:14:09
